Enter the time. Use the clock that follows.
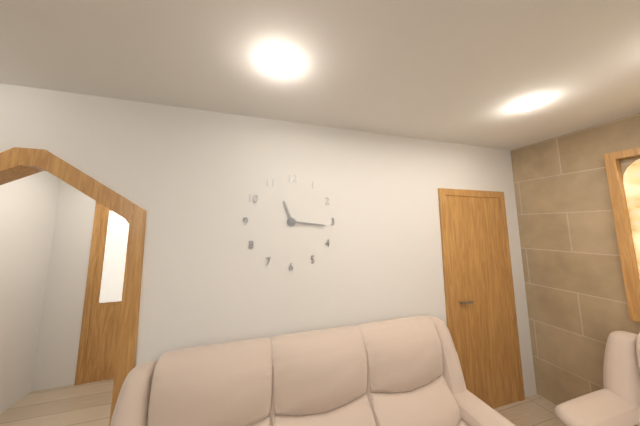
11:16
